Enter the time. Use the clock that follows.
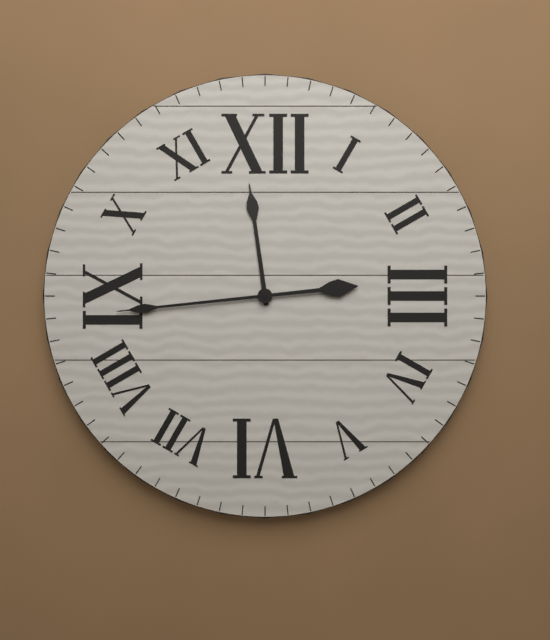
11:44
